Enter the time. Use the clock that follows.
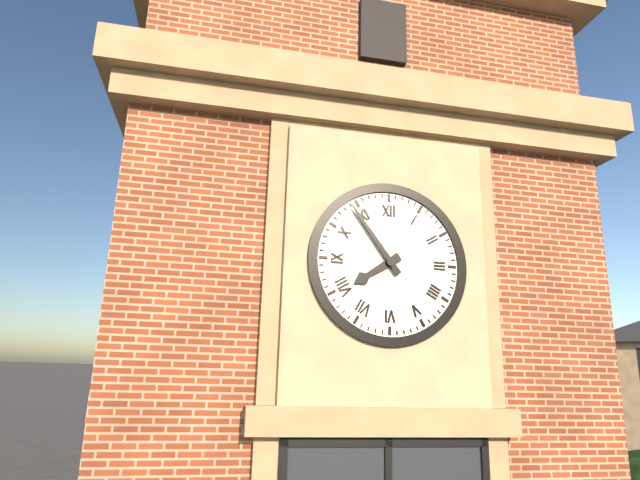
7:54
